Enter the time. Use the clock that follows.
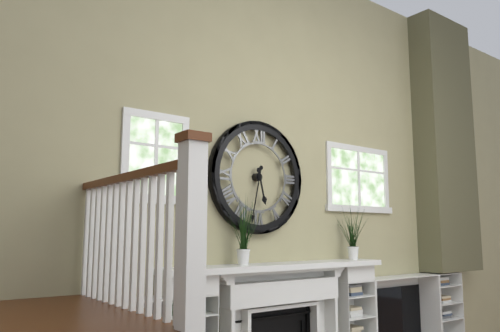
5:32
